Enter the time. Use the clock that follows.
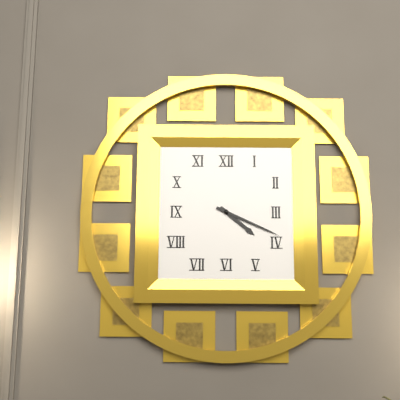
4:19
